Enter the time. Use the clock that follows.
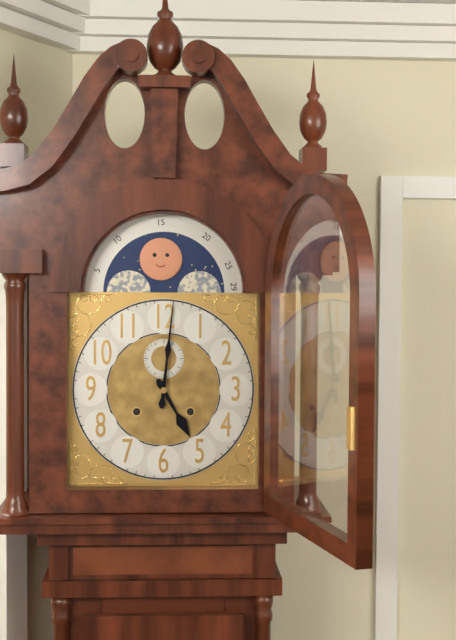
5:01
